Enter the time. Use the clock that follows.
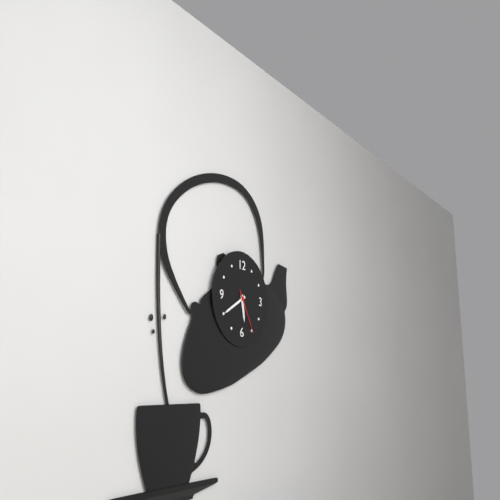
5:40
